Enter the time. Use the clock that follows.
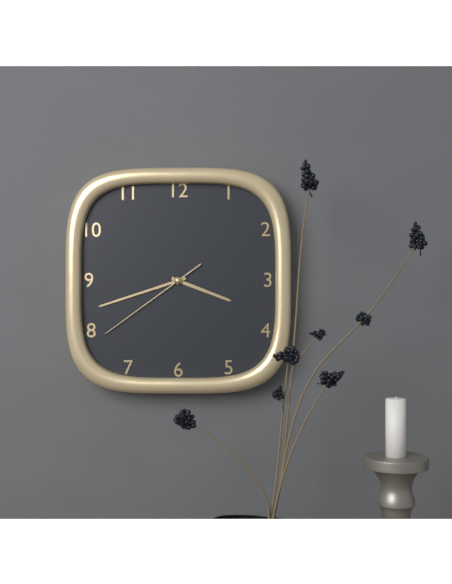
3:42:39
